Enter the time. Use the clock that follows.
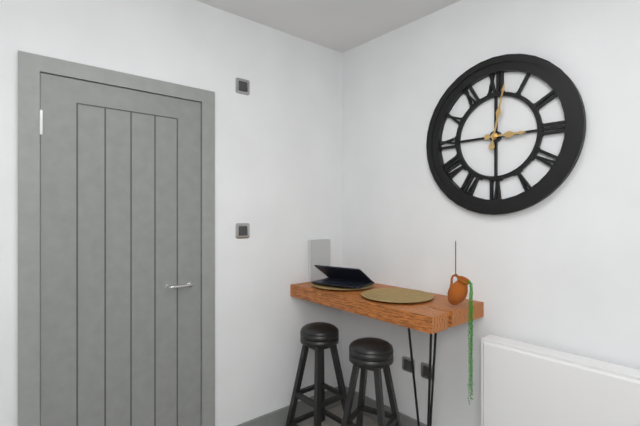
3:02
